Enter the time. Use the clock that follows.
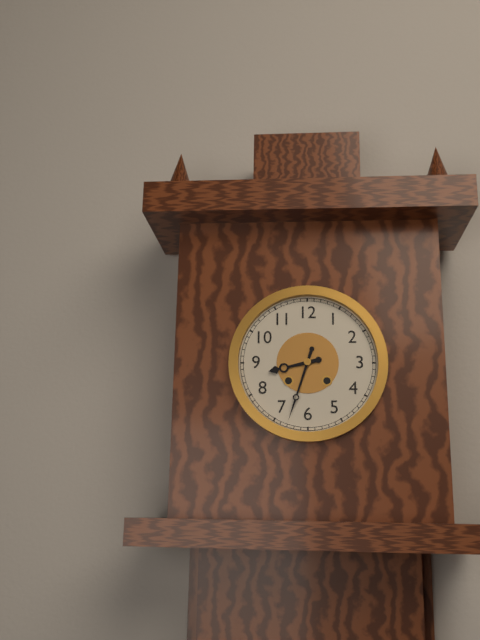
8:33
